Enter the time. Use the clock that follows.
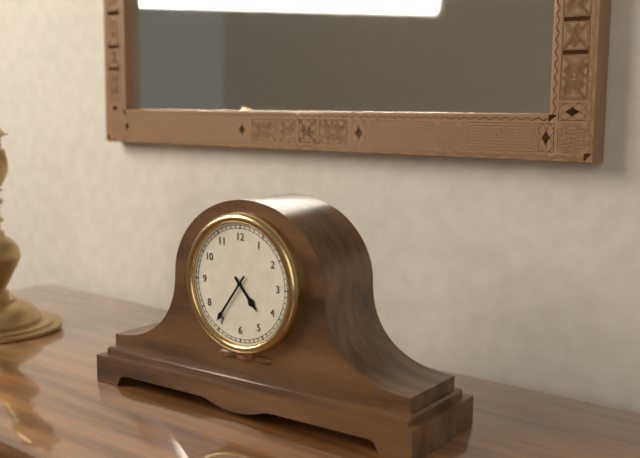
4:36
